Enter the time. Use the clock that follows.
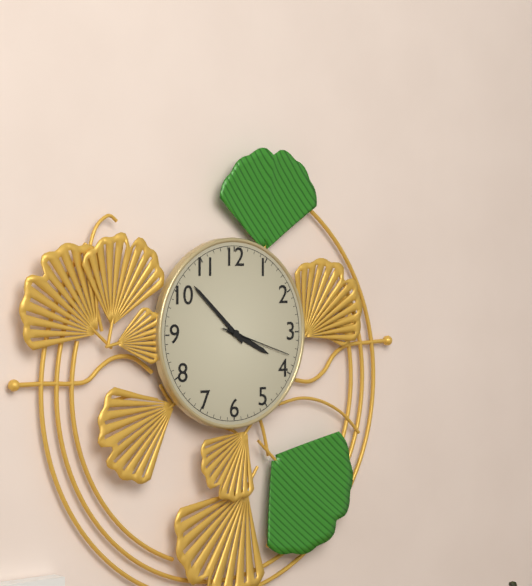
3:52:18
